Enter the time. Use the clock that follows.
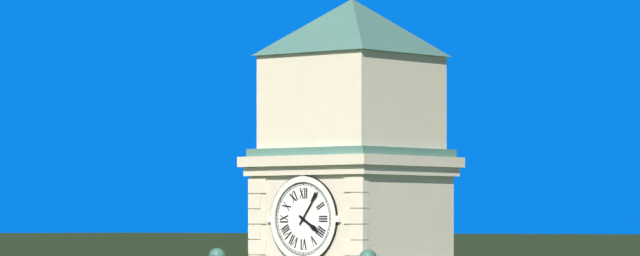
4:06
